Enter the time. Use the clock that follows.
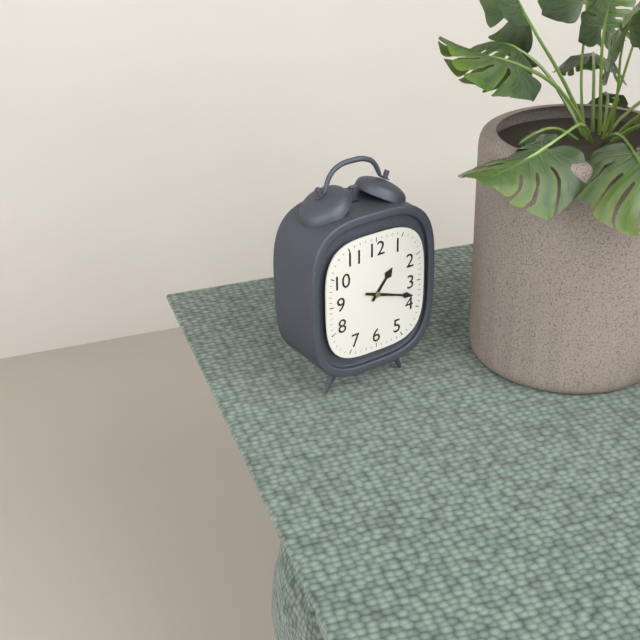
1:18
